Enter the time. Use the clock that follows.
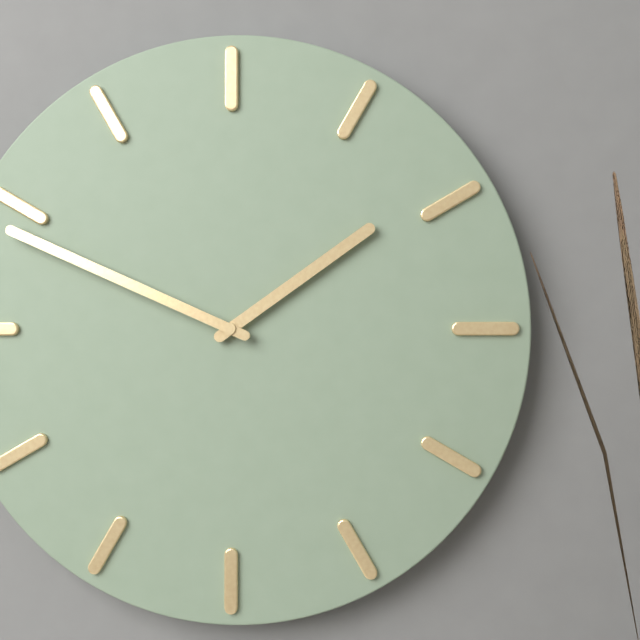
1:49
